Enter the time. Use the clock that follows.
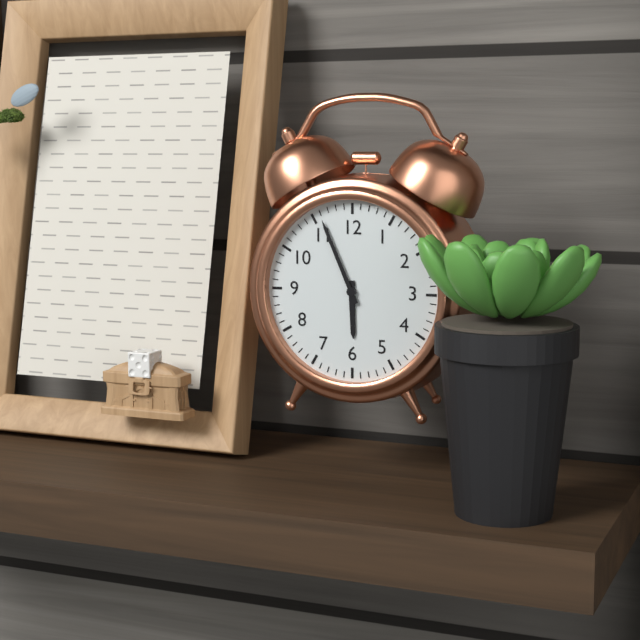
5:56
